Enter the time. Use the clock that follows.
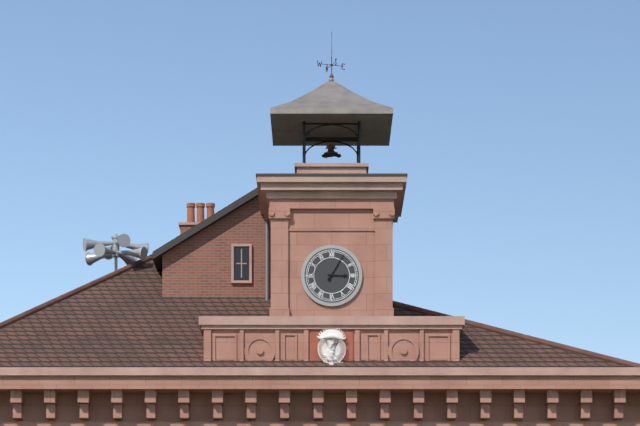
3:05
